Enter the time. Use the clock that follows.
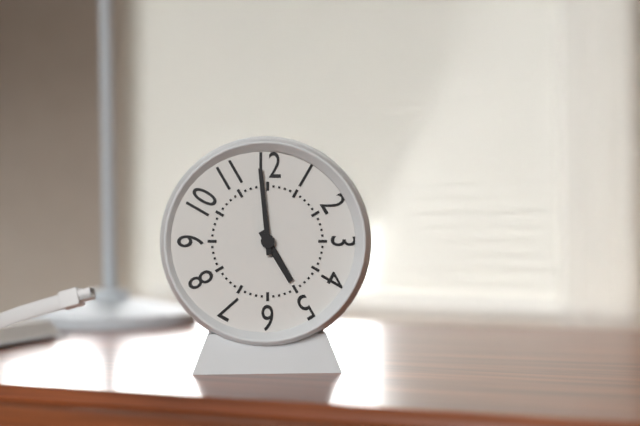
4:59
